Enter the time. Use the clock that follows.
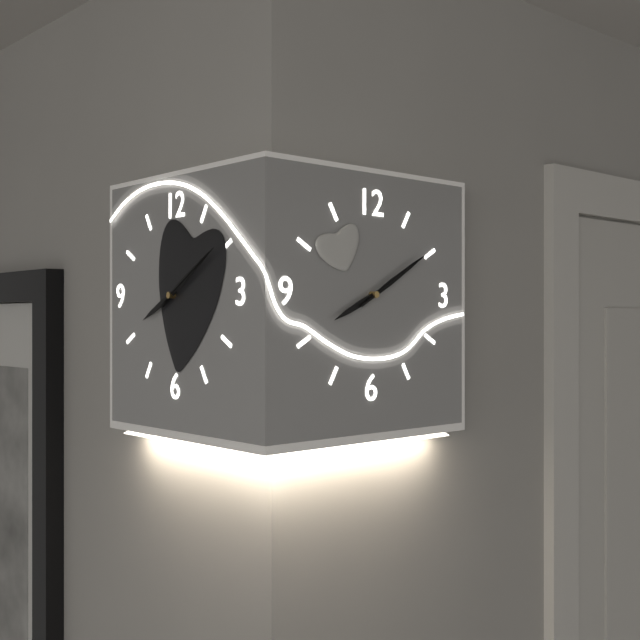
8:10:10
